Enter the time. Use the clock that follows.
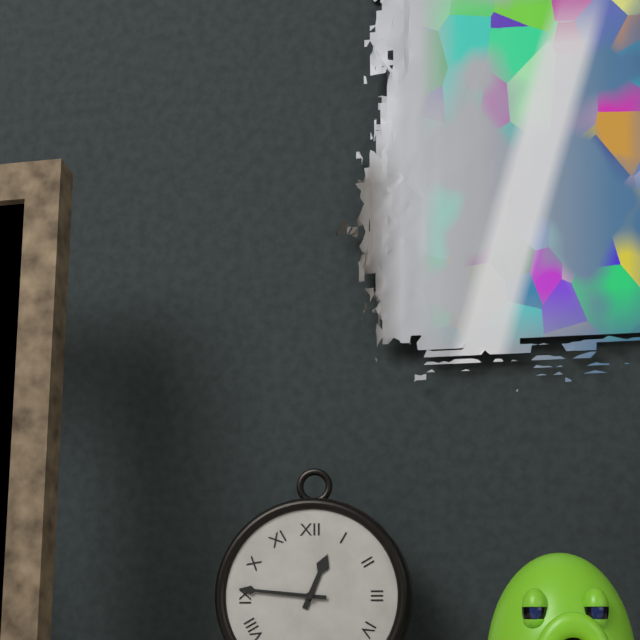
12:46
